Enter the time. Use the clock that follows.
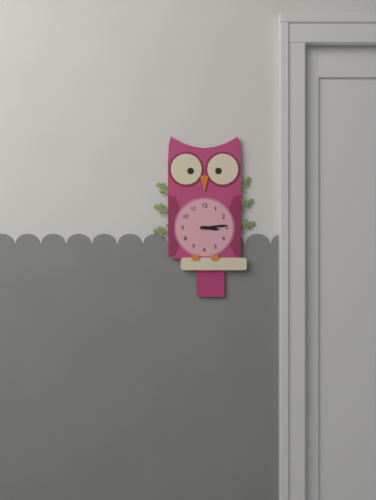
3:14
